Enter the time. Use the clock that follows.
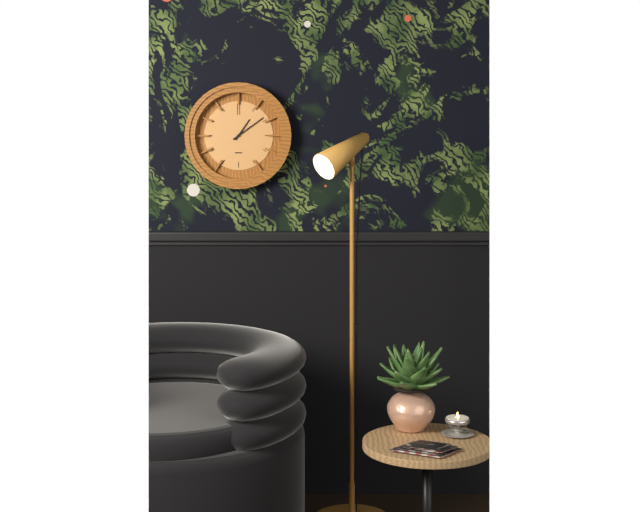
1:09
